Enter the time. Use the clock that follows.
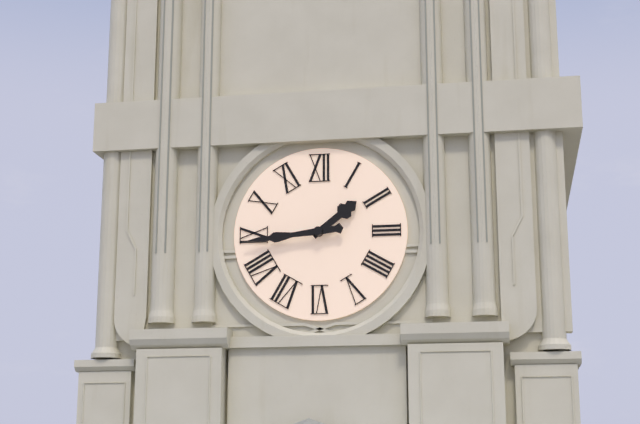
1:44
